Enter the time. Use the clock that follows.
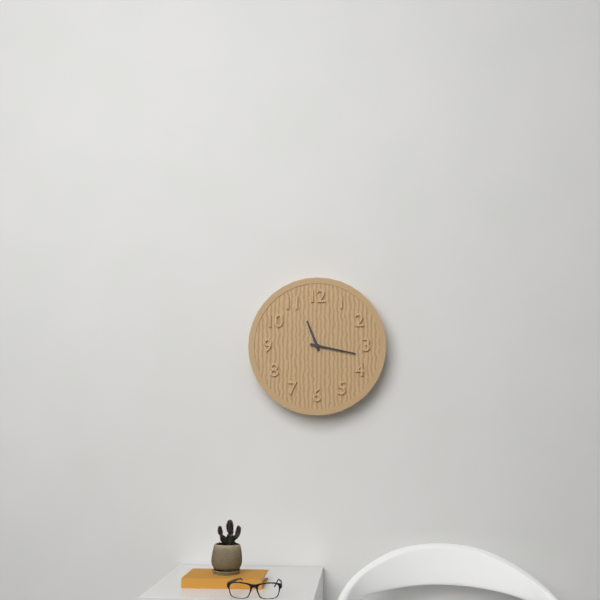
11:17
